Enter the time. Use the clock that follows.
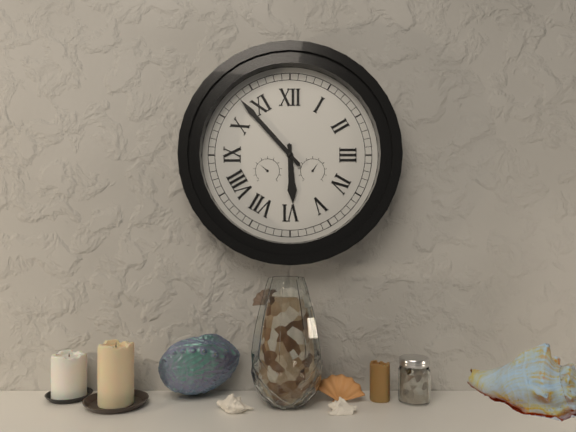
5:53
